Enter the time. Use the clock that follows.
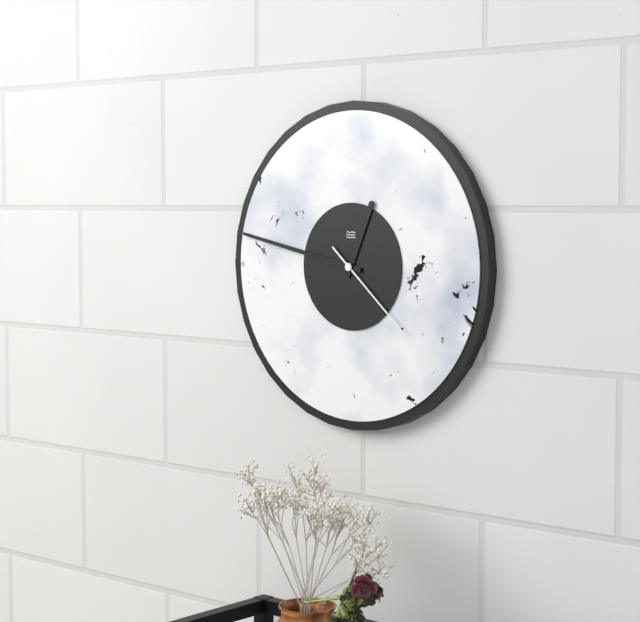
12:47:22
